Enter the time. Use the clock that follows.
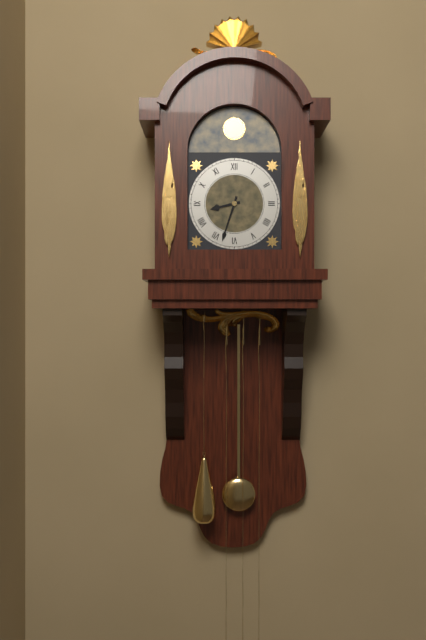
8:33
